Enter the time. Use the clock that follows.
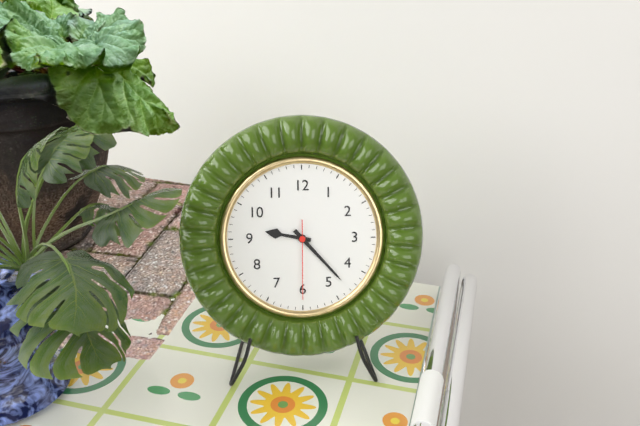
9:23:30
